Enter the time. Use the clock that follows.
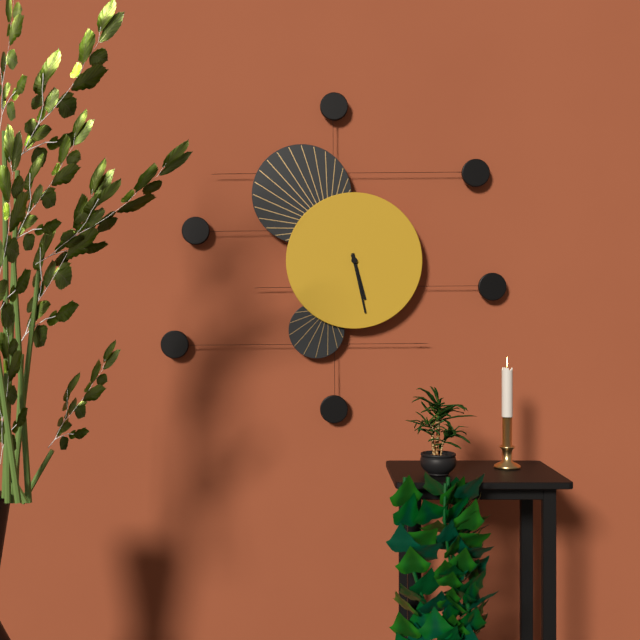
5:28
